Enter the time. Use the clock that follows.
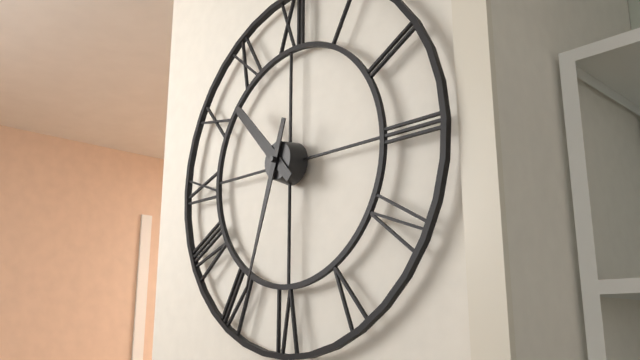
10:33
